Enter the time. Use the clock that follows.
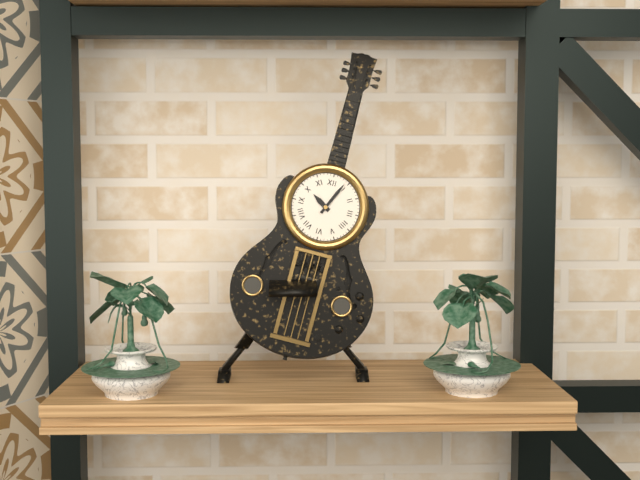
10:04
